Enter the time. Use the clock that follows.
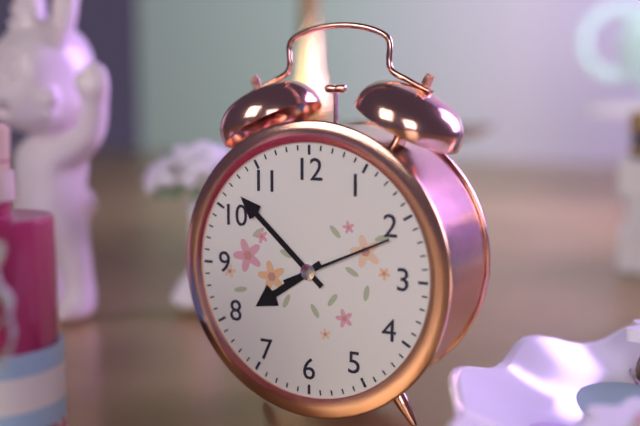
7:52:11
